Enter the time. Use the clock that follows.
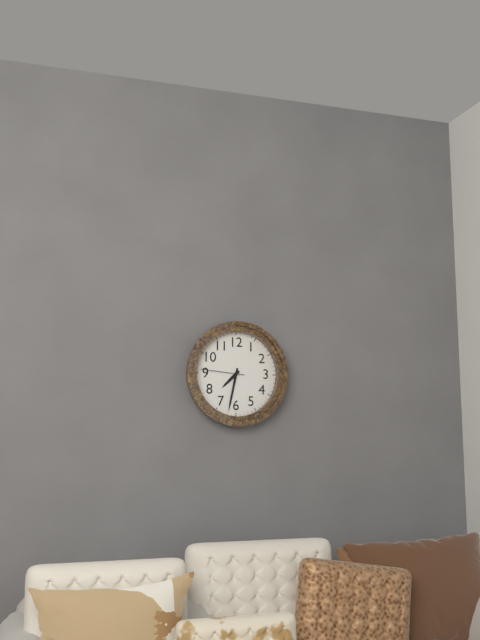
7:32
